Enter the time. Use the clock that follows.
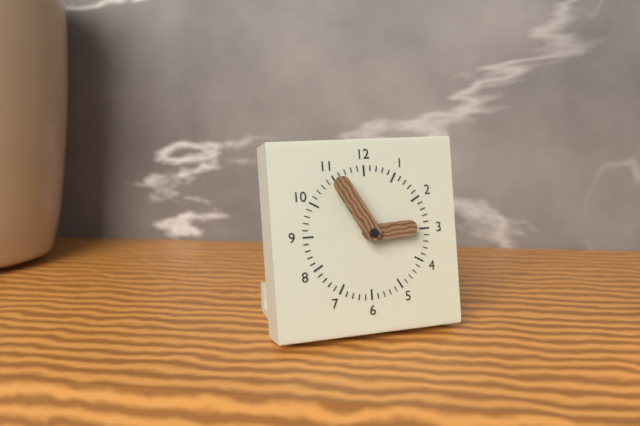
2:55
